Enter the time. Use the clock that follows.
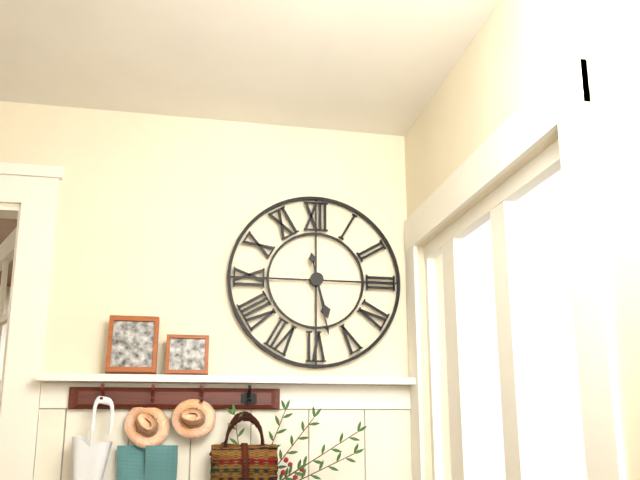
5:28
